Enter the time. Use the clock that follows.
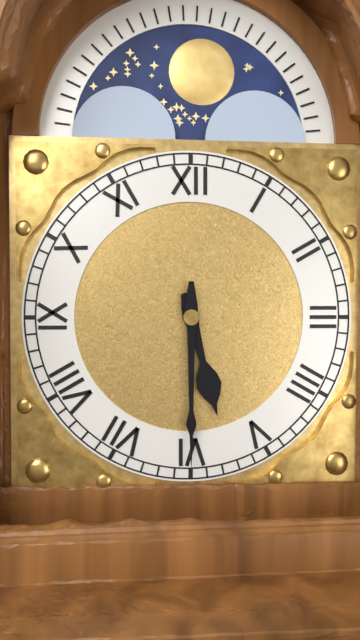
5:30
